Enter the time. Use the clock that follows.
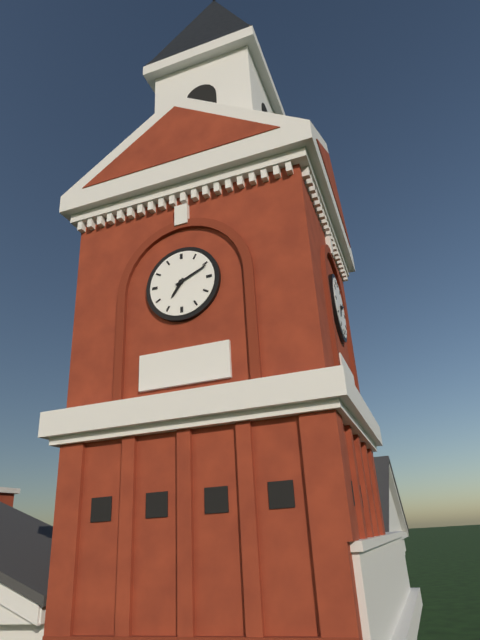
7:11
